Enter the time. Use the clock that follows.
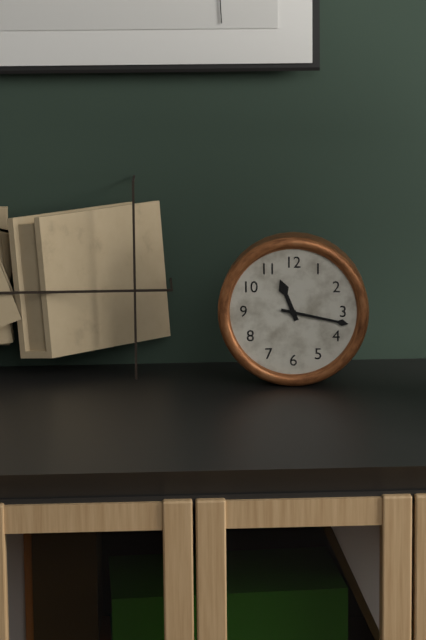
11:17
